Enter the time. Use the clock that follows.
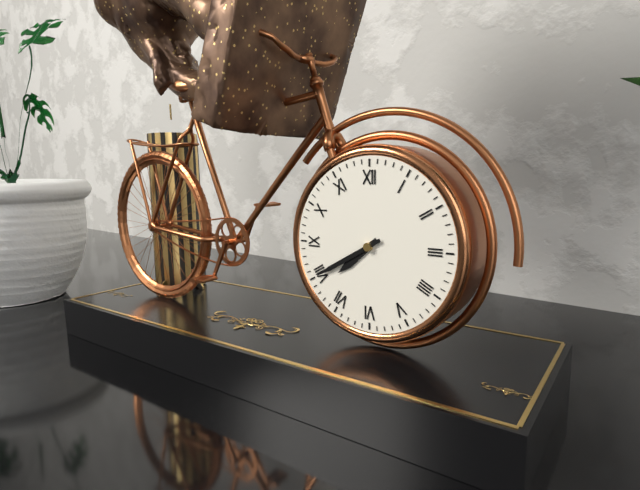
7:40
